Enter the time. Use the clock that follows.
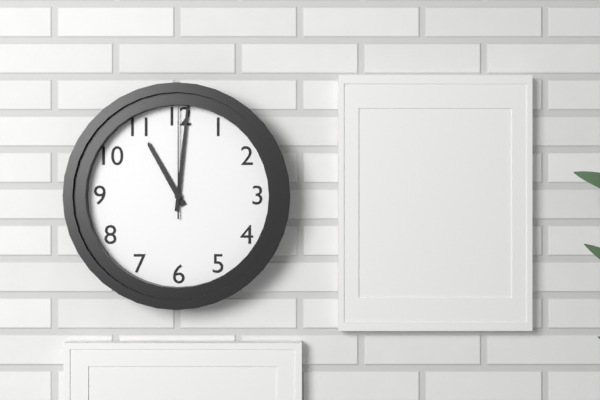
11:01:00
